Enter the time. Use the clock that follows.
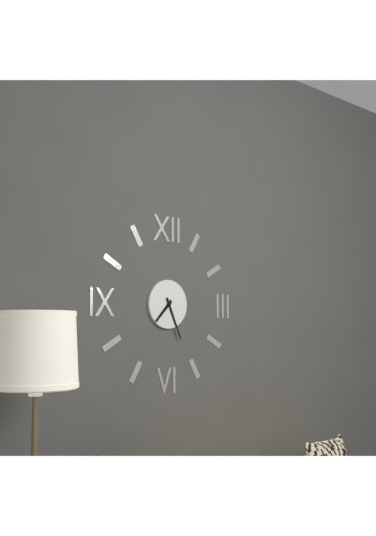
7:26
